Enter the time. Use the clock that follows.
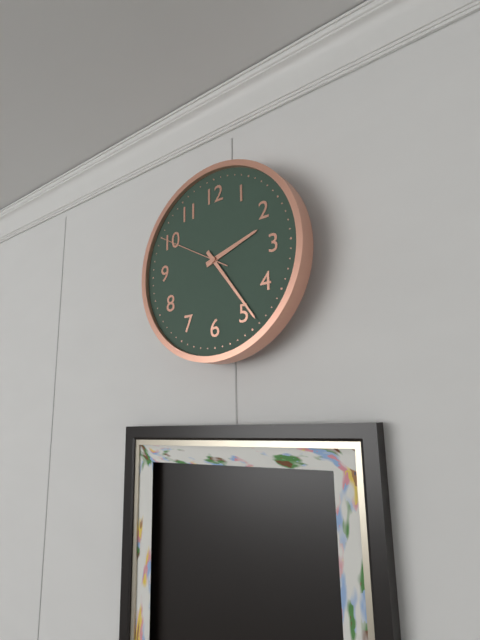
2:24:50
